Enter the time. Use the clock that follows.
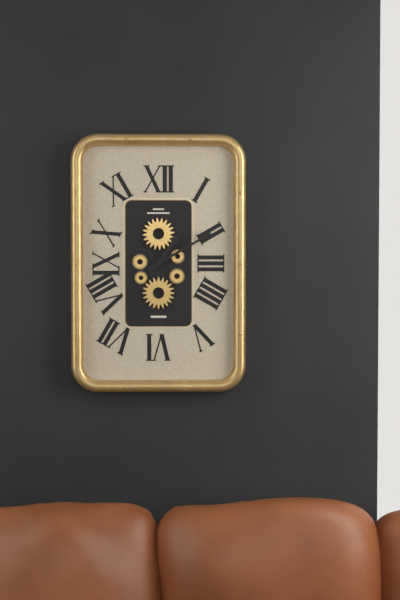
1:10
